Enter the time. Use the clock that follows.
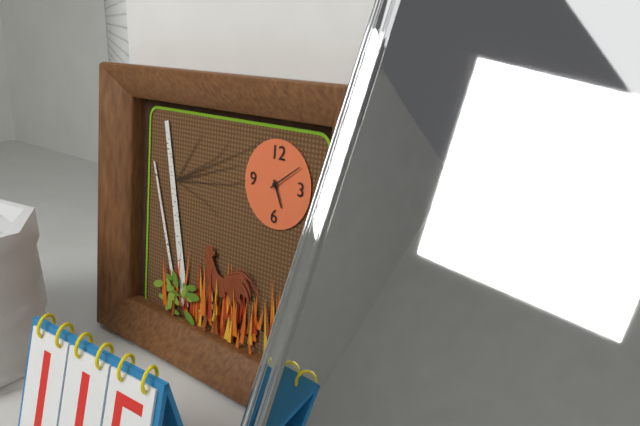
5:09
